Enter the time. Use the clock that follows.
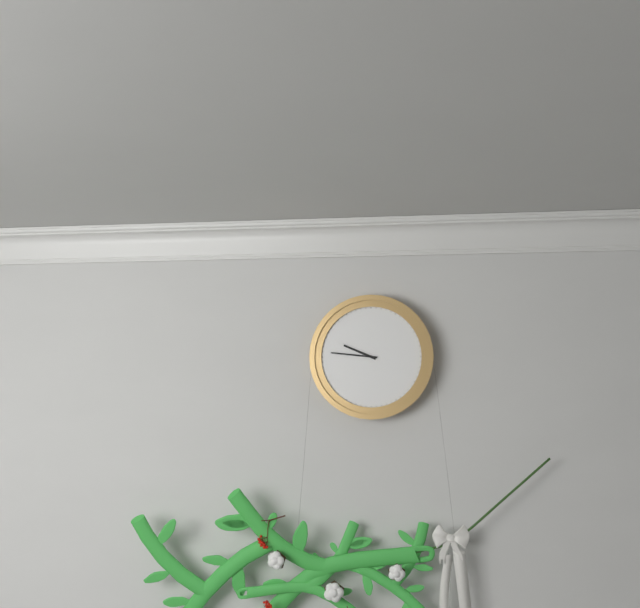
9:46
